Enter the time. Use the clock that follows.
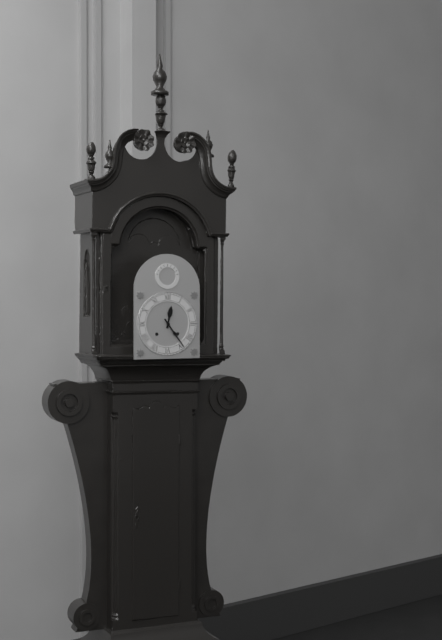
12:24
